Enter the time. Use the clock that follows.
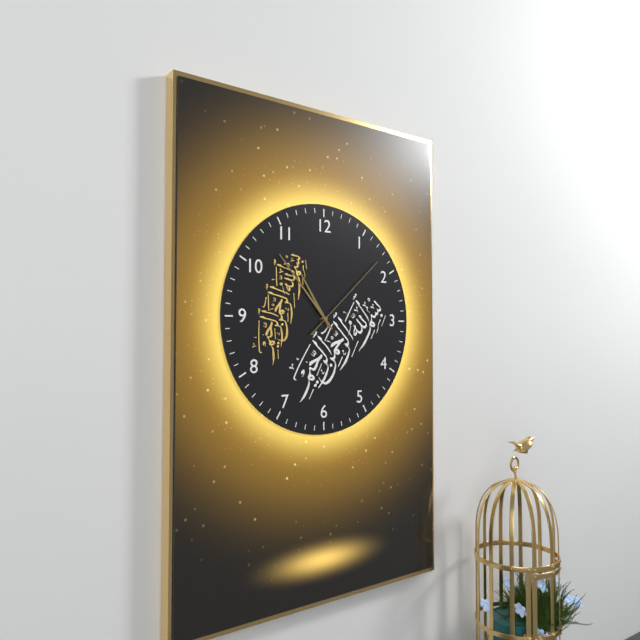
10:53:08
